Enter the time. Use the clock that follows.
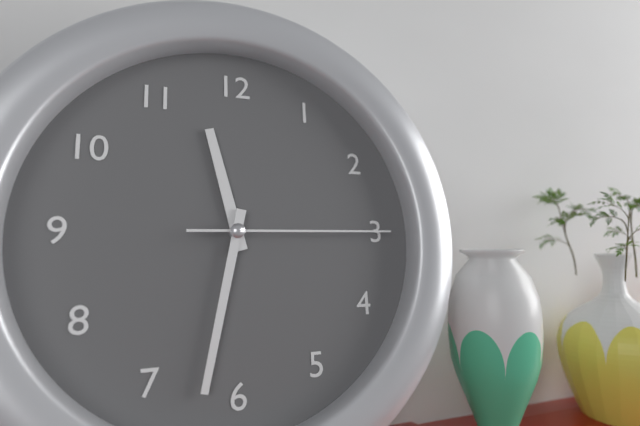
11:32:15
